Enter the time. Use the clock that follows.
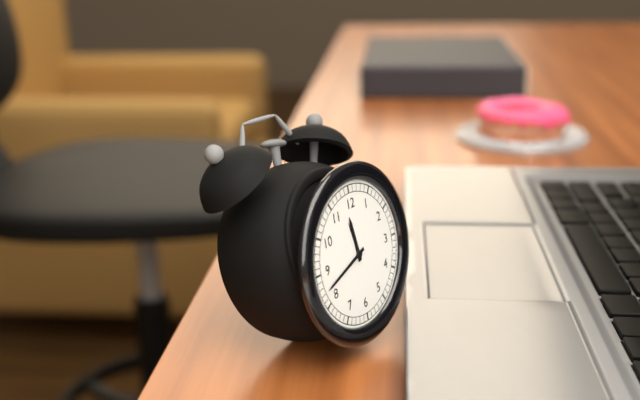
11:42
